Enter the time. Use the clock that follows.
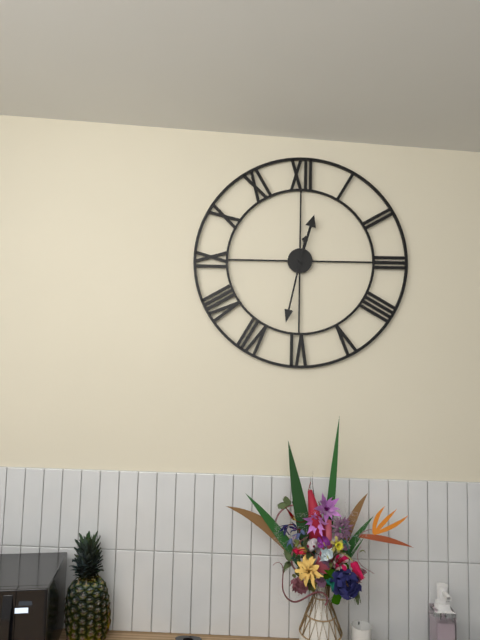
12:32
